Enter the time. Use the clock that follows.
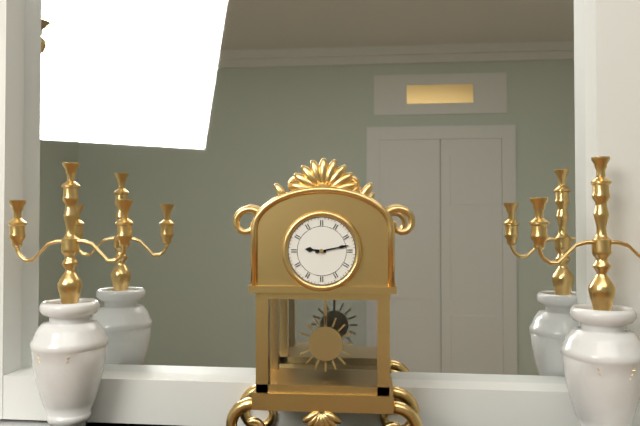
9:13
